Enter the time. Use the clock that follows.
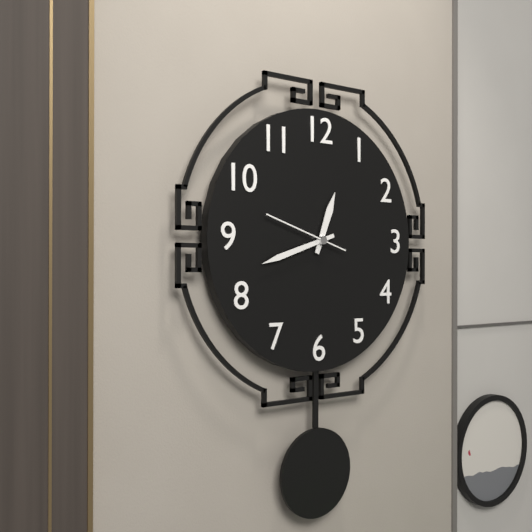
12:42:48
